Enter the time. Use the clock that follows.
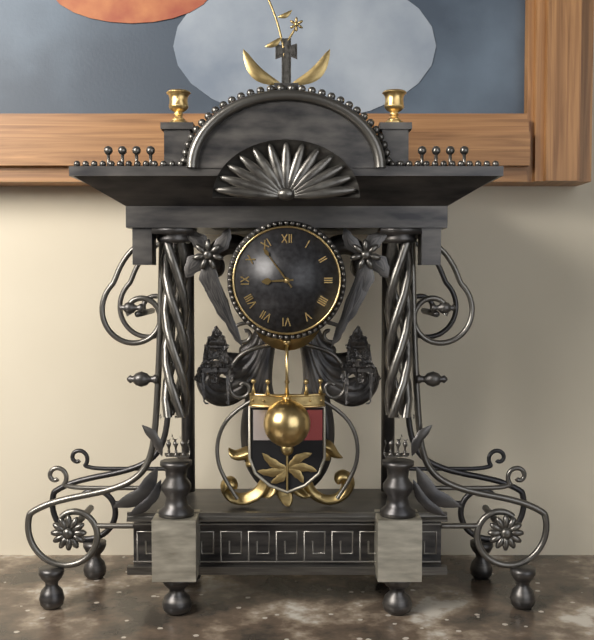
8:54
